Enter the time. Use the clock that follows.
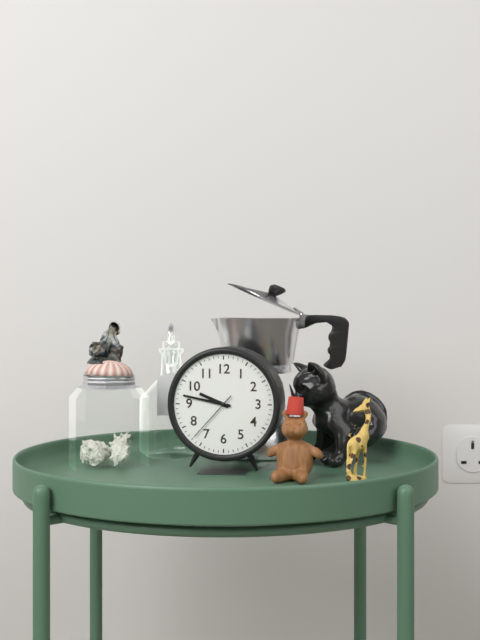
9:47:37
